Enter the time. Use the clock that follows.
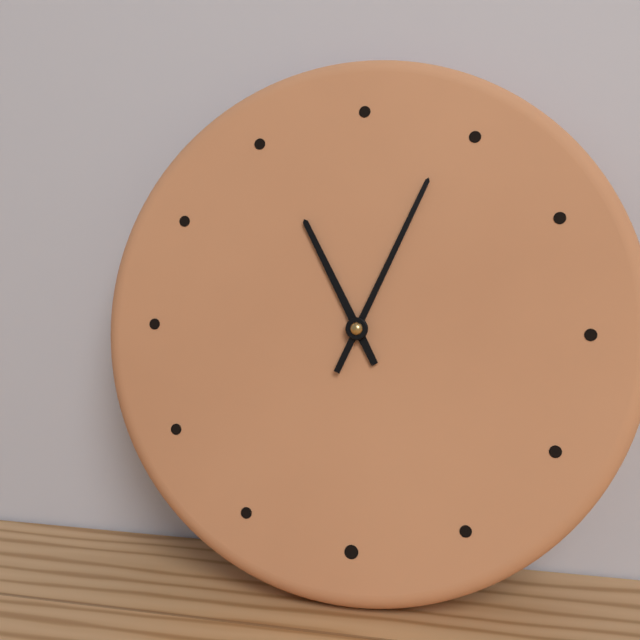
11:04
